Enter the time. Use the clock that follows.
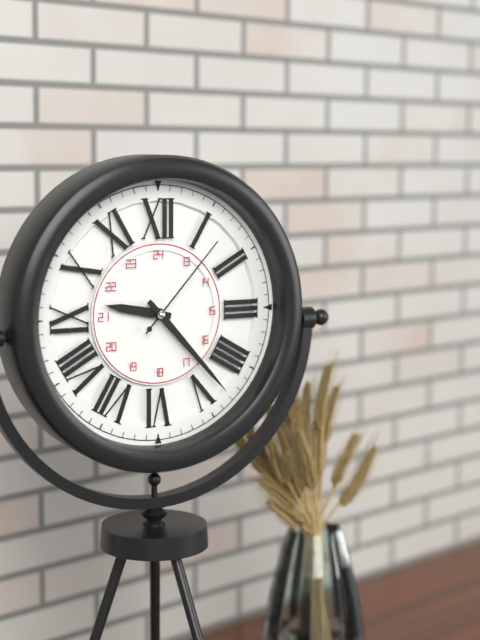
9:23:07
